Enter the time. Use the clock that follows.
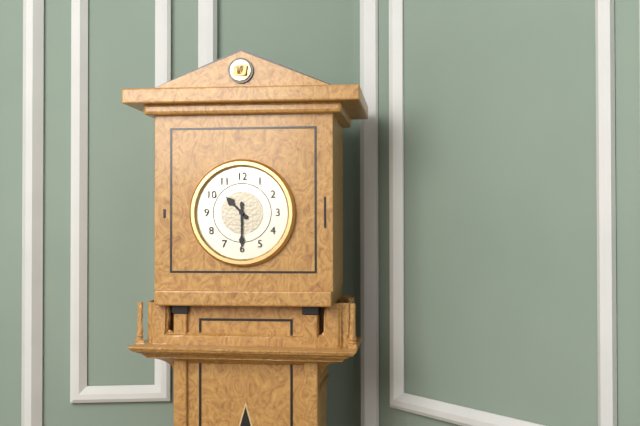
10:30
